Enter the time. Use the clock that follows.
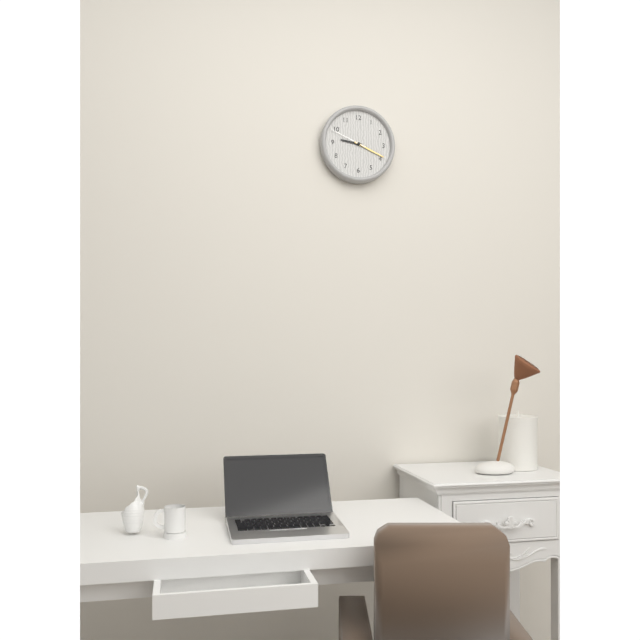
9:19
